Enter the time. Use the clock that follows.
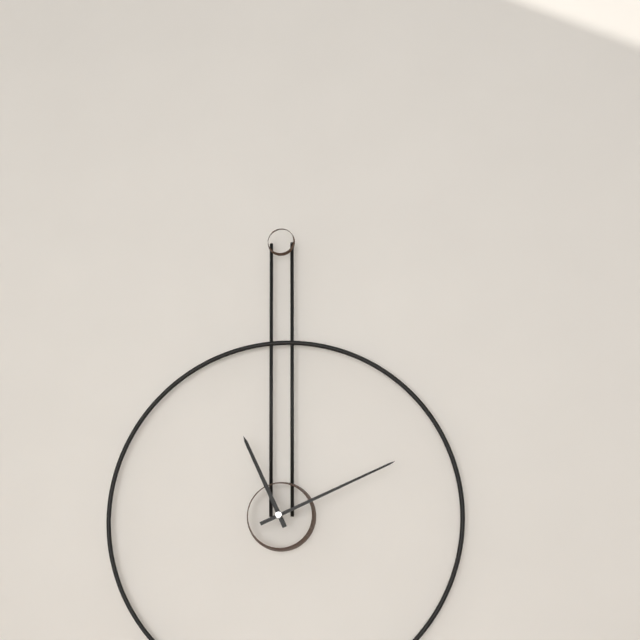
11:11
